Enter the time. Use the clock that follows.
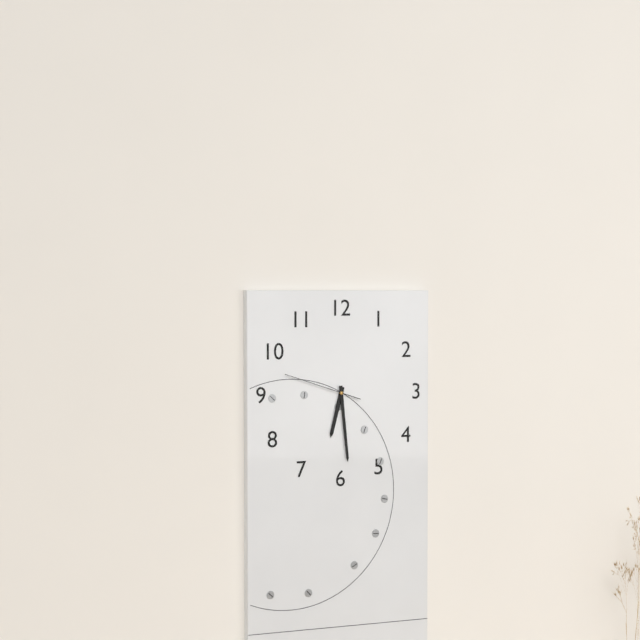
6:29:48
